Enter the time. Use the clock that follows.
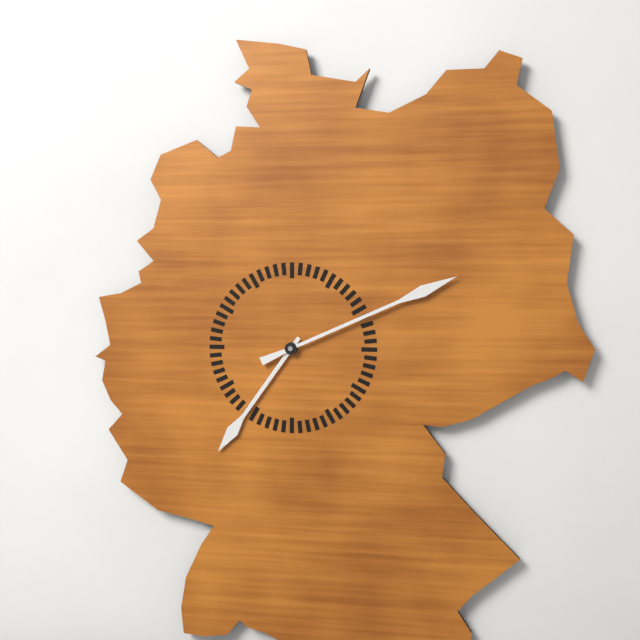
7:11
